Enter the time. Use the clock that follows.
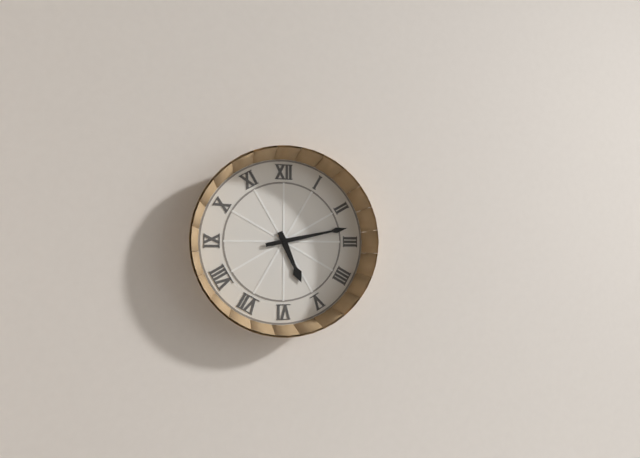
5:13
